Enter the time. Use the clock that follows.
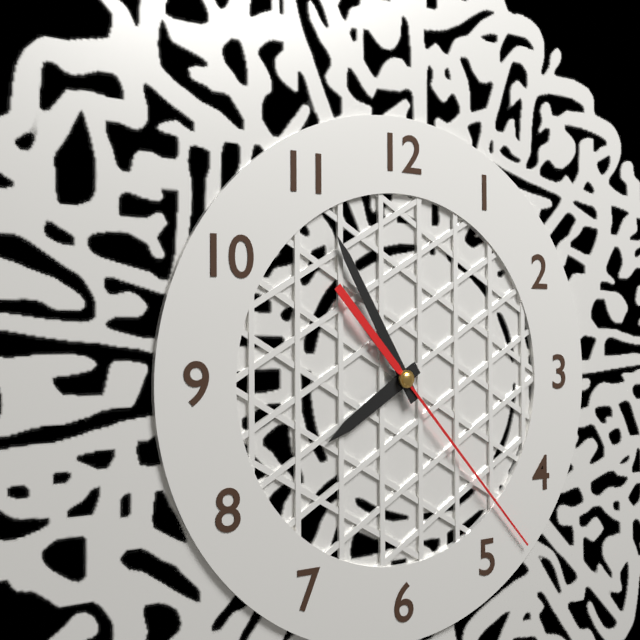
7:55:23
